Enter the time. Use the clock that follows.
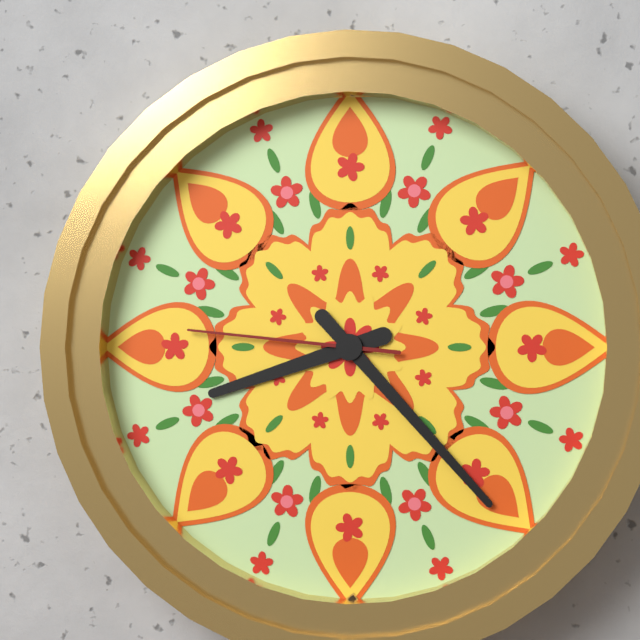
8:23:46
